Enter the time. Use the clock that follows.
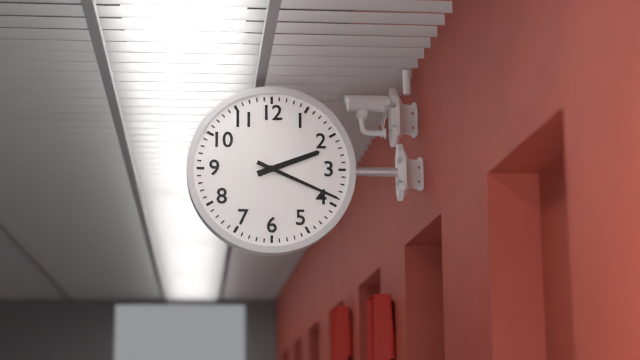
2:19
